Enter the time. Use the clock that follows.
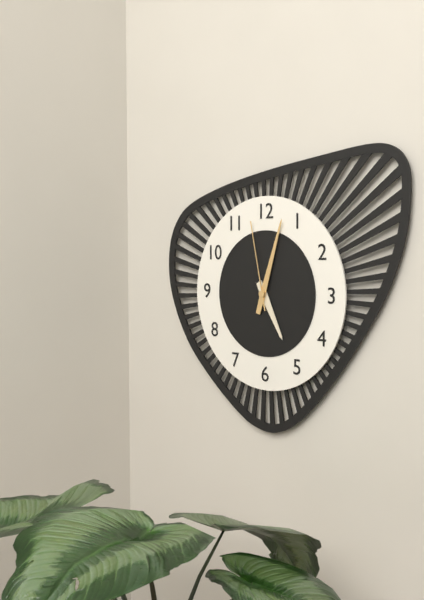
5:03:58
